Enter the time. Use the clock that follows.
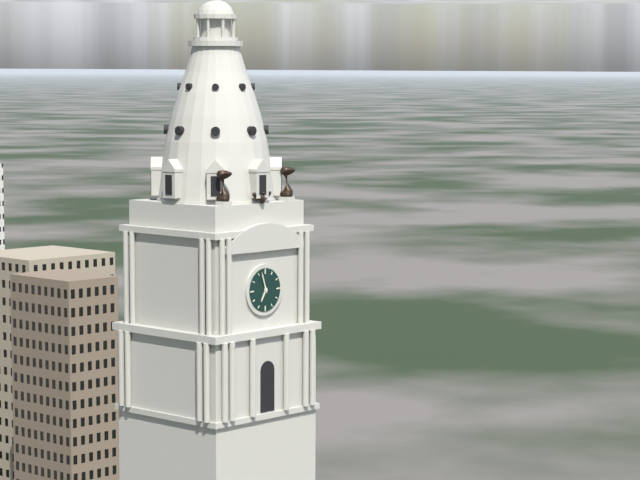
6:57
